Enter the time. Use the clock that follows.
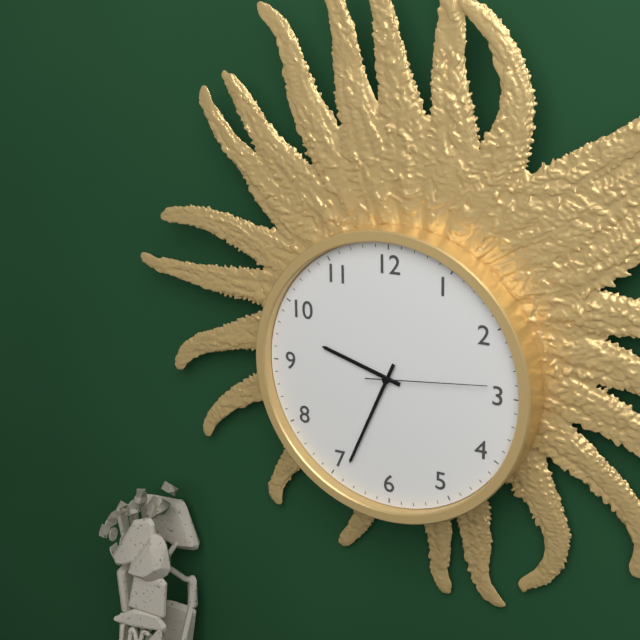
9:34:14
